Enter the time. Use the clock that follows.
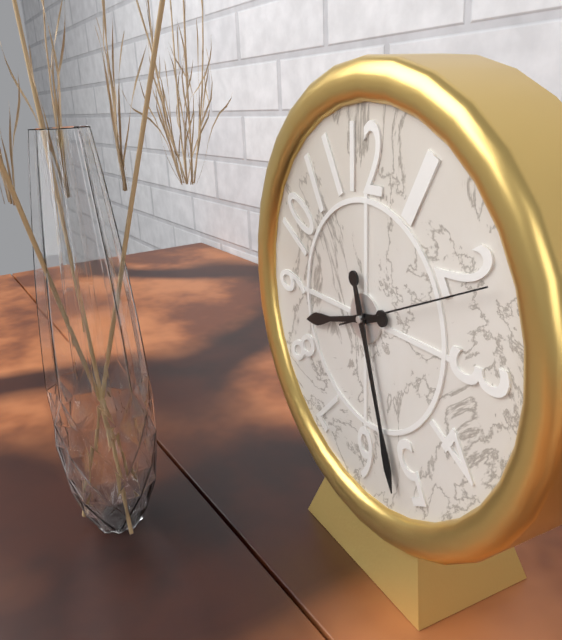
8:27:11
